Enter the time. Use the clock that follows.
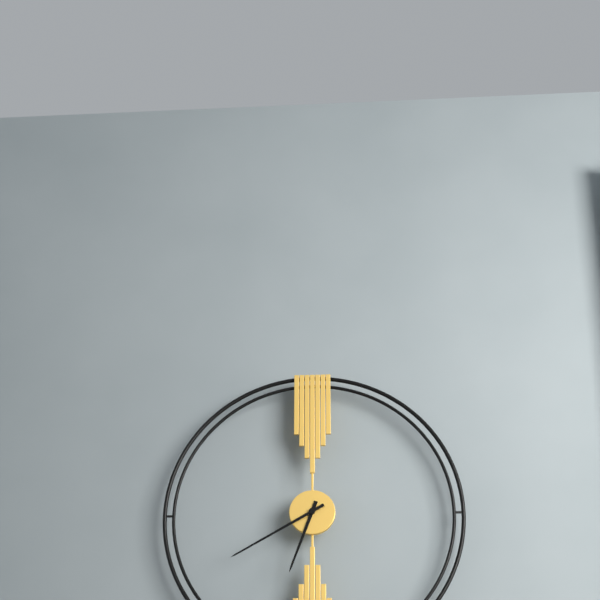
6:40
